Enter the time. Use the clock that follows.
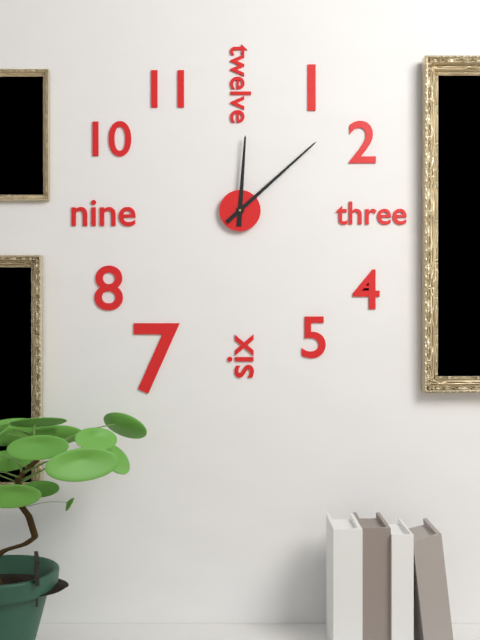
12:08
